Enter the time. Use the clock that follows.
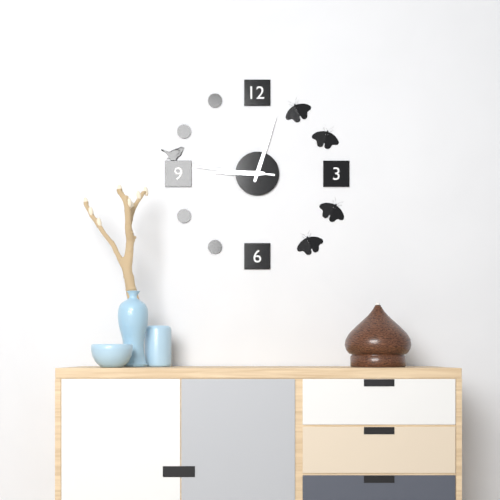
9:03:46
